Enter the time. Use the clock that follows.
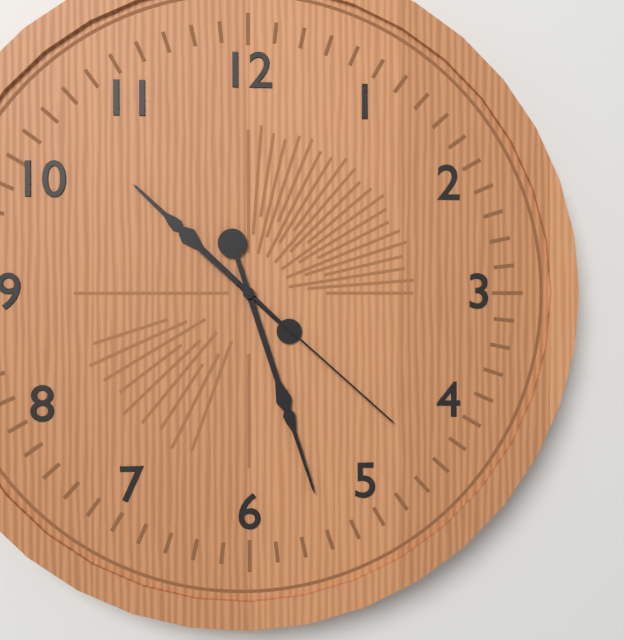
10:27:22
